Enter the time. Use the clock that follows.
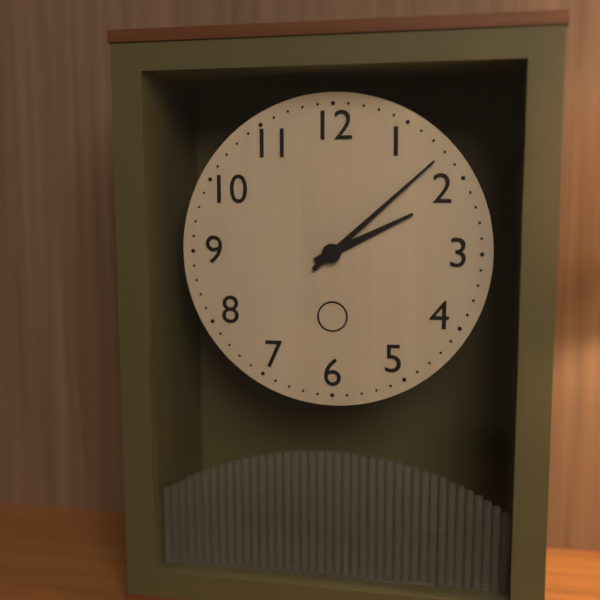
2:08
